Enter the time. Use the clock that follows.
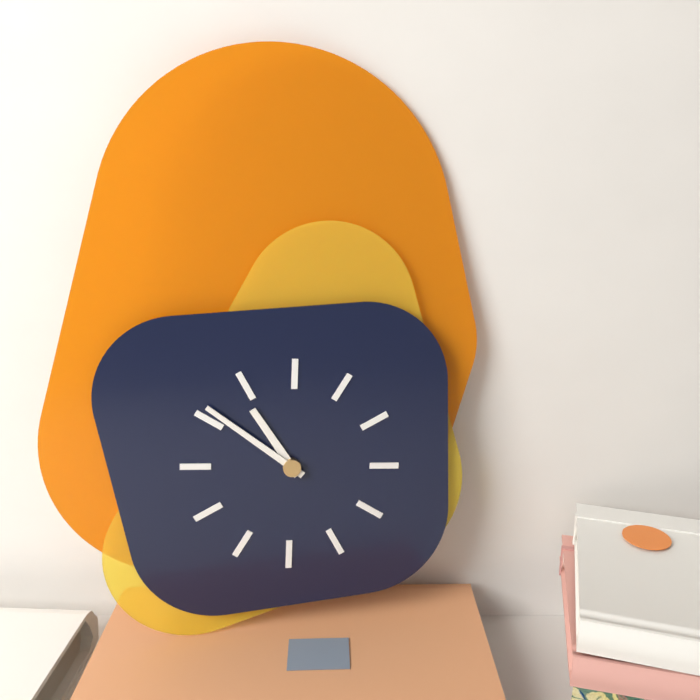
10:51
